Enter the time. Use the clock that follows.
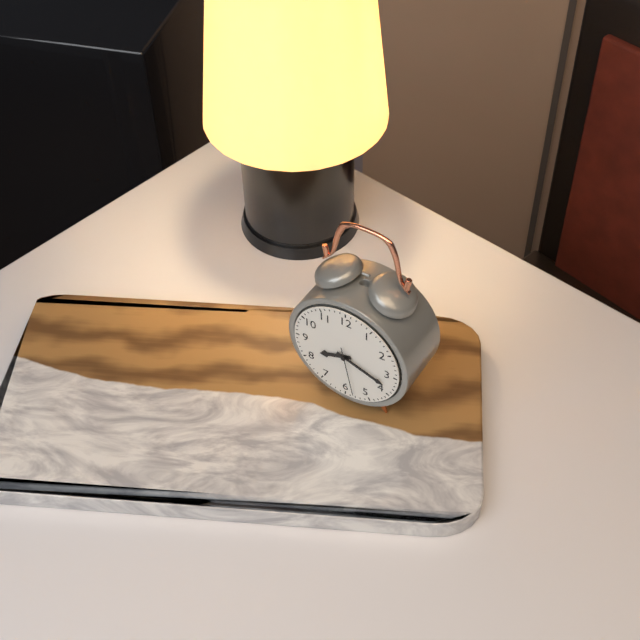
8:18
